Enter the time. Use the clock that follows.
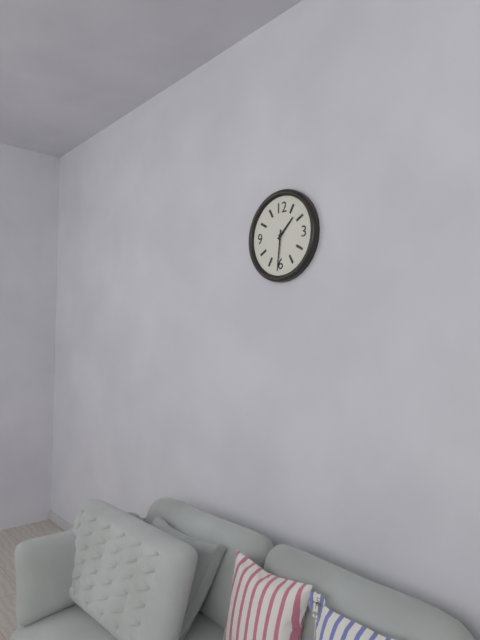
1:31
